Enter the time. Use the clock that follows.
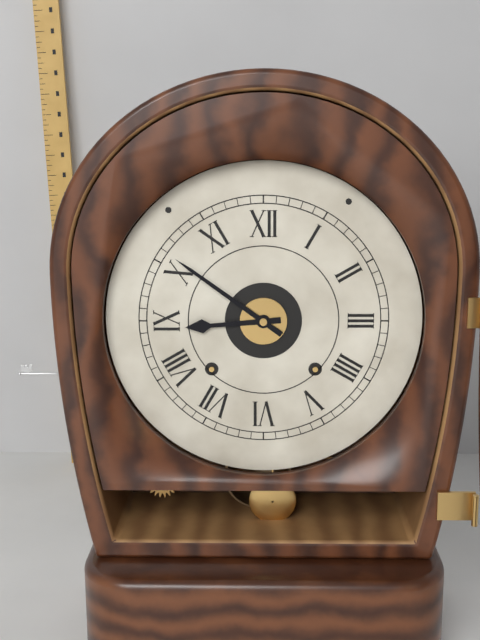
8:51
